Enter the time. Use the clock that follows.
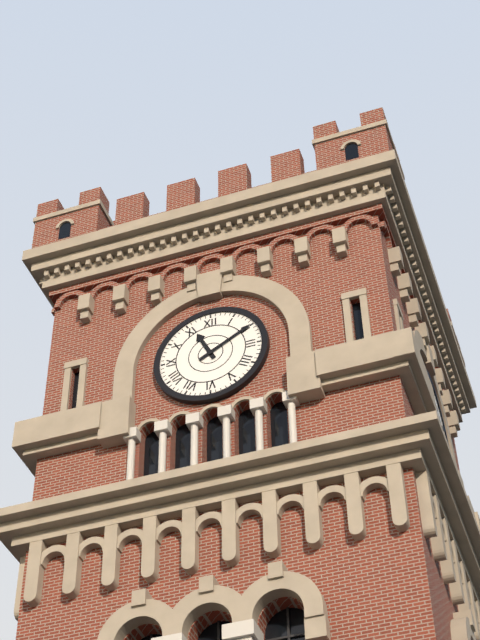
11:10
